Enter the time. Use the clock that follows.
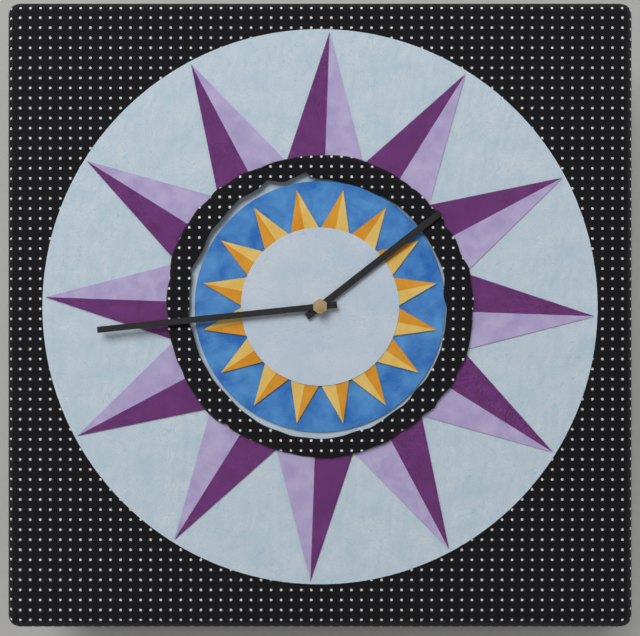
1:44
